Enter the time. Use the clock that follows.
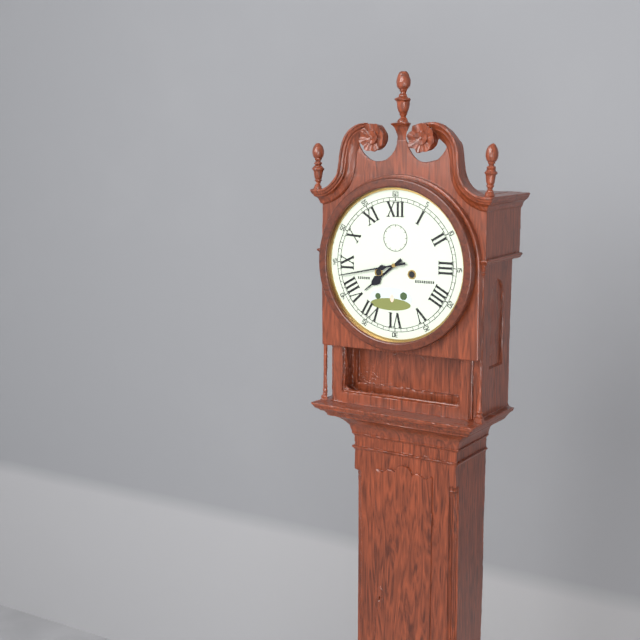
7:43
